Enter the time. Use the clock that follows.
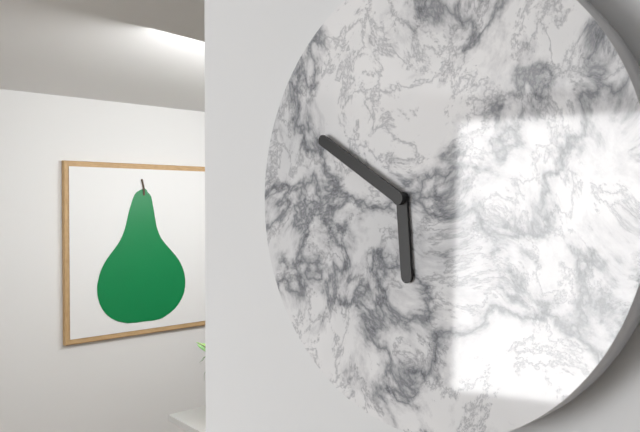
5:50
